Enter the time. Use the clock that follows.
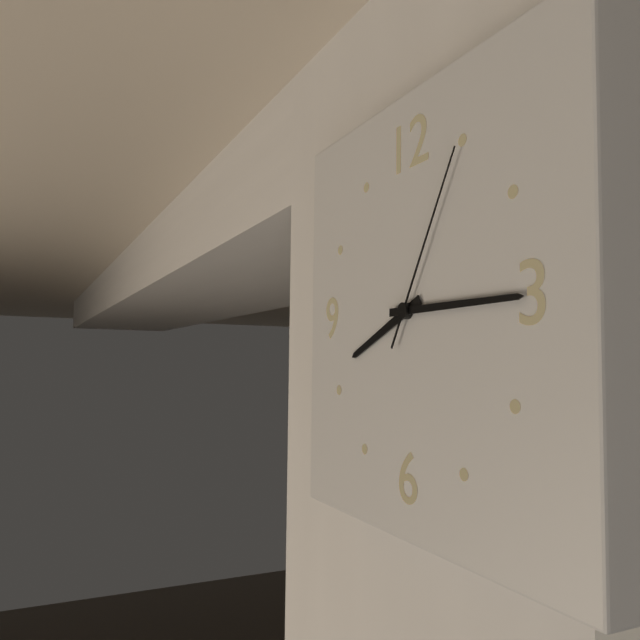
8:15:05
